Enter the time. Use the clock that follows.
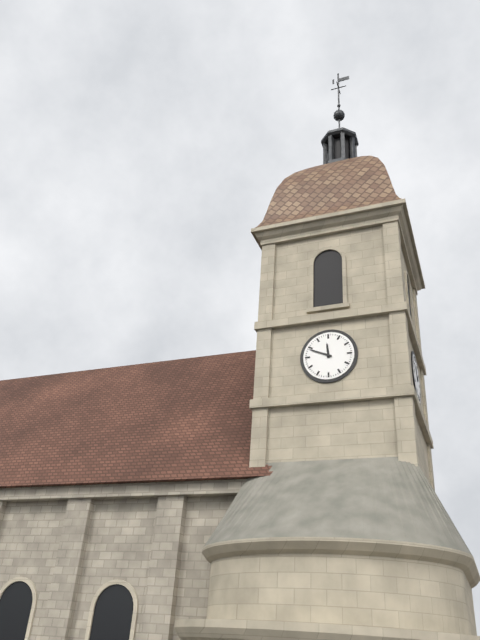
11:49
